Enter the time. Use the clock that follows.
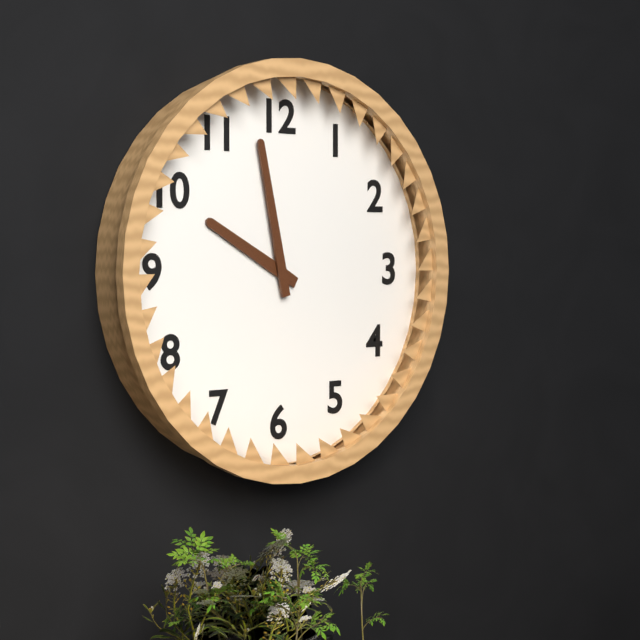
9:58
